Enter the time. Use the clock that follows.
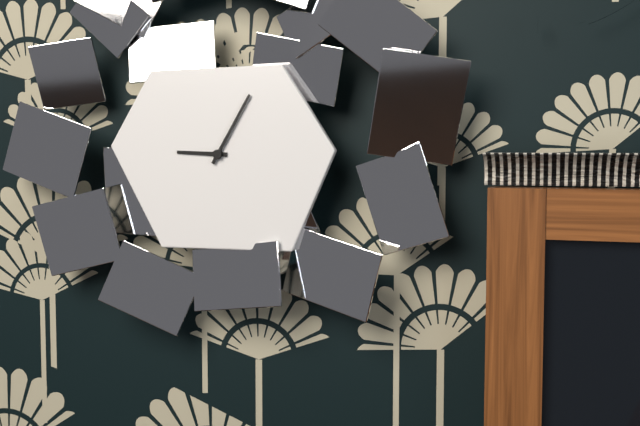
9:05
